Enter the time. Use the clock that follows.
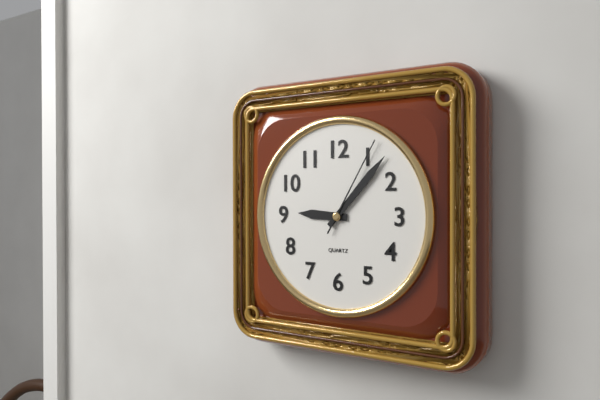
9:07:05
